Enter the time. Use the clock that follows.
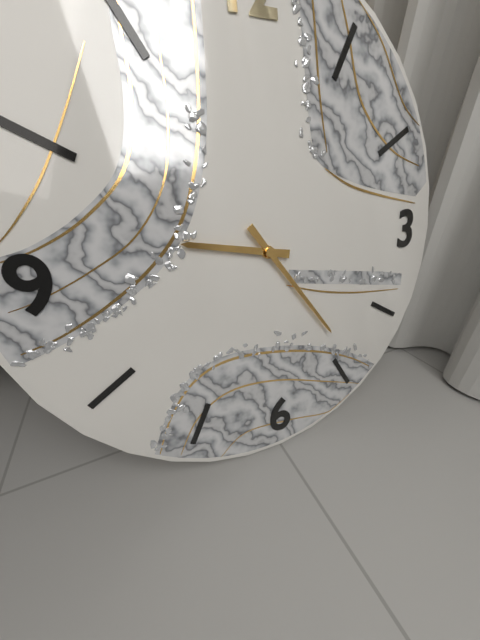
9:24
